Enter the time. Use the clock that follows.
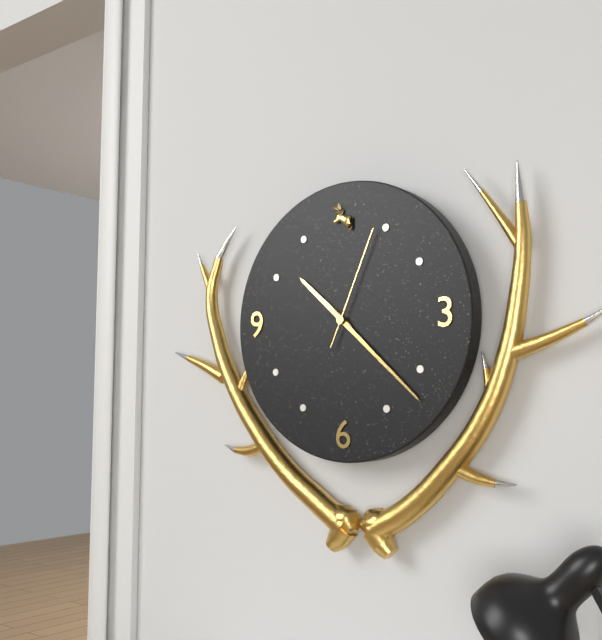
10:22:04
